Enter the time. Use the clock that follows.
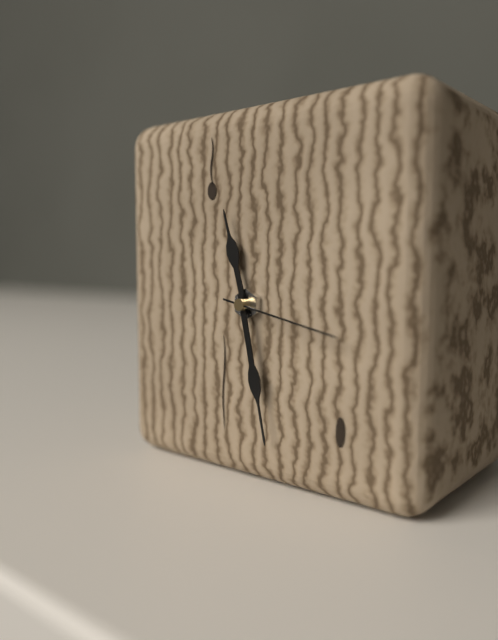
11:28:17
